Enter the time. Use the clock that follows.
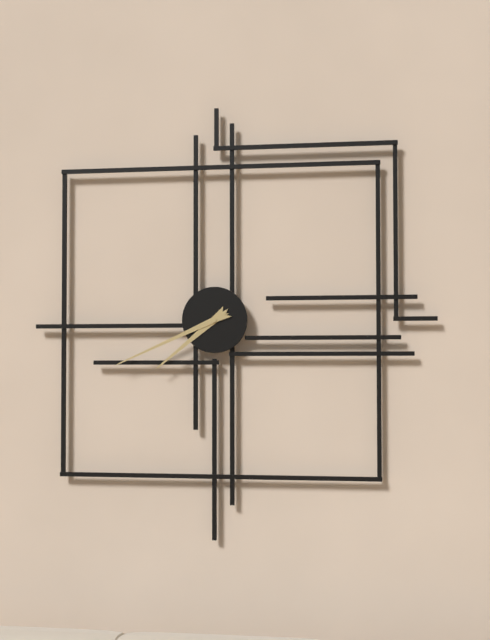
7:41
